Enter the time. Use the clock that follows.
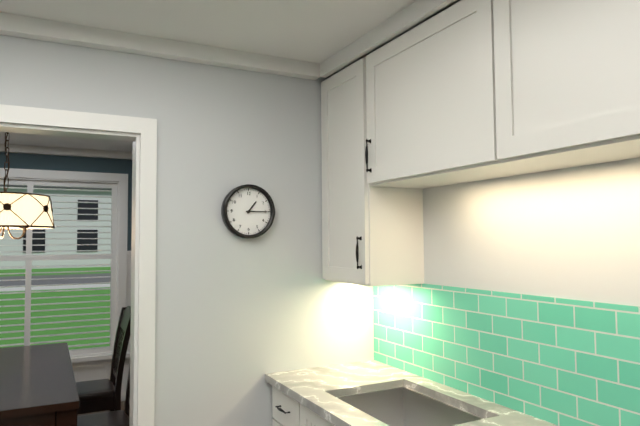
1:15
